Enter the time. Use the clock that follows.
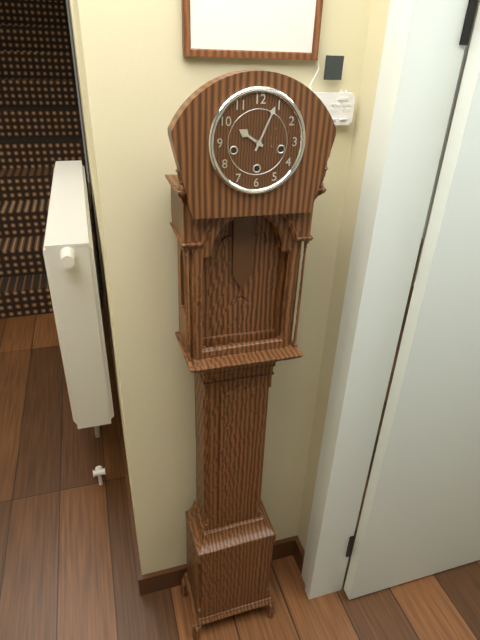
10:04
